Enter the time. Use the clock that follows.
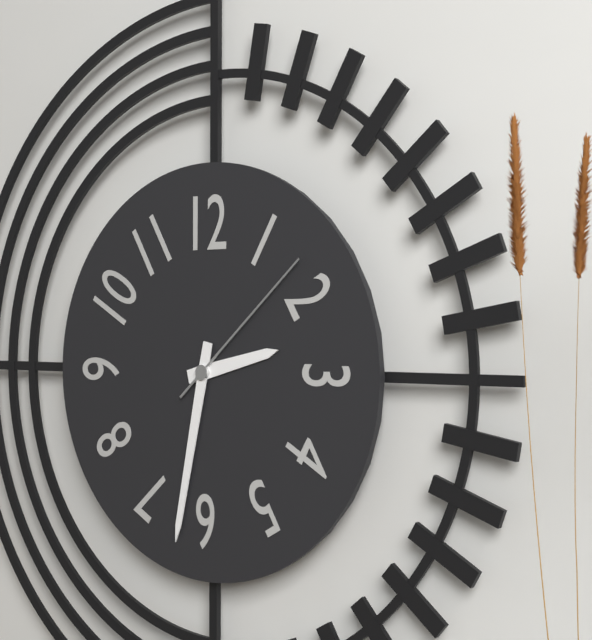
2:32:08
